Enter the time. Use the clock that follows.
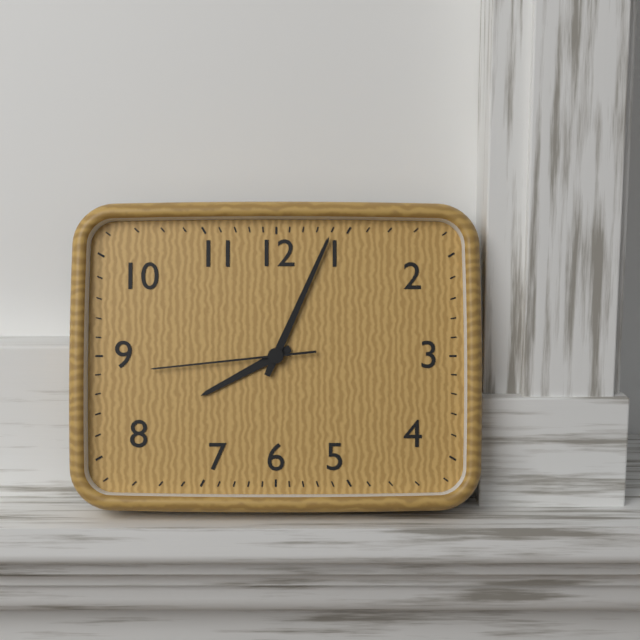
8:04:44
